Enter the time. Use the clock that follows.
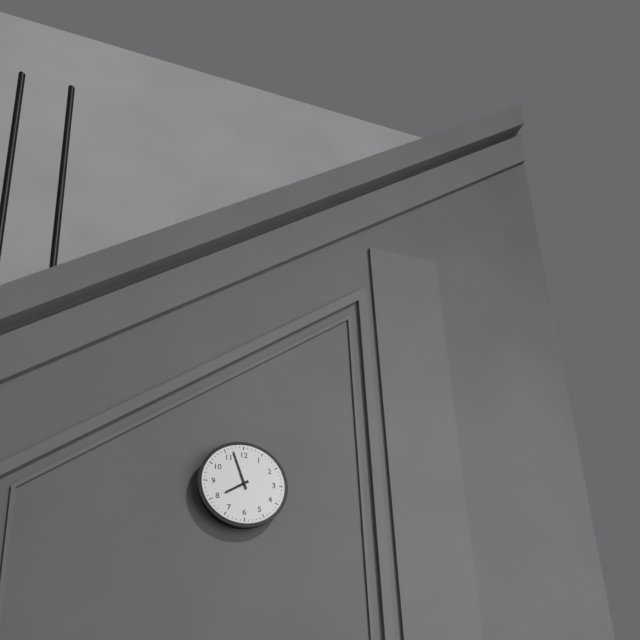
7:57
